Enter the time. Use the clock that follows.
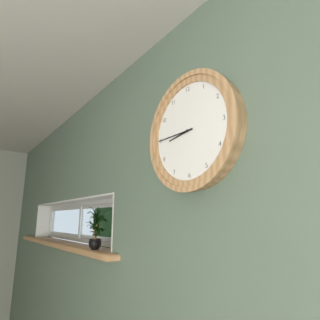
8:45
